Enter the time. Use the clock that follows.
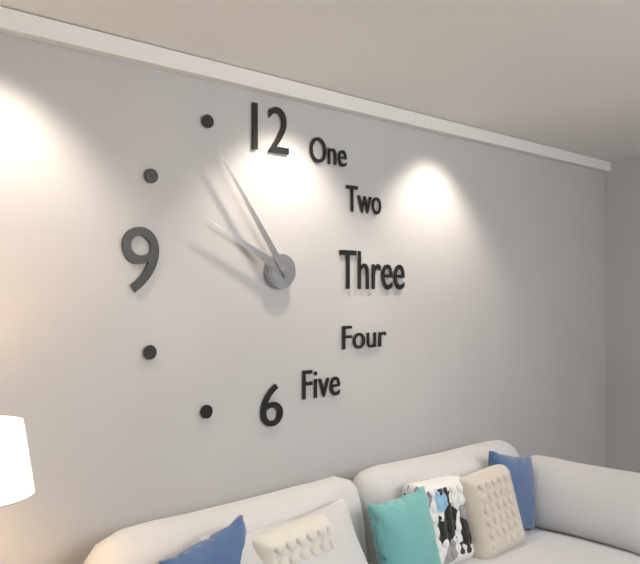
9:54
